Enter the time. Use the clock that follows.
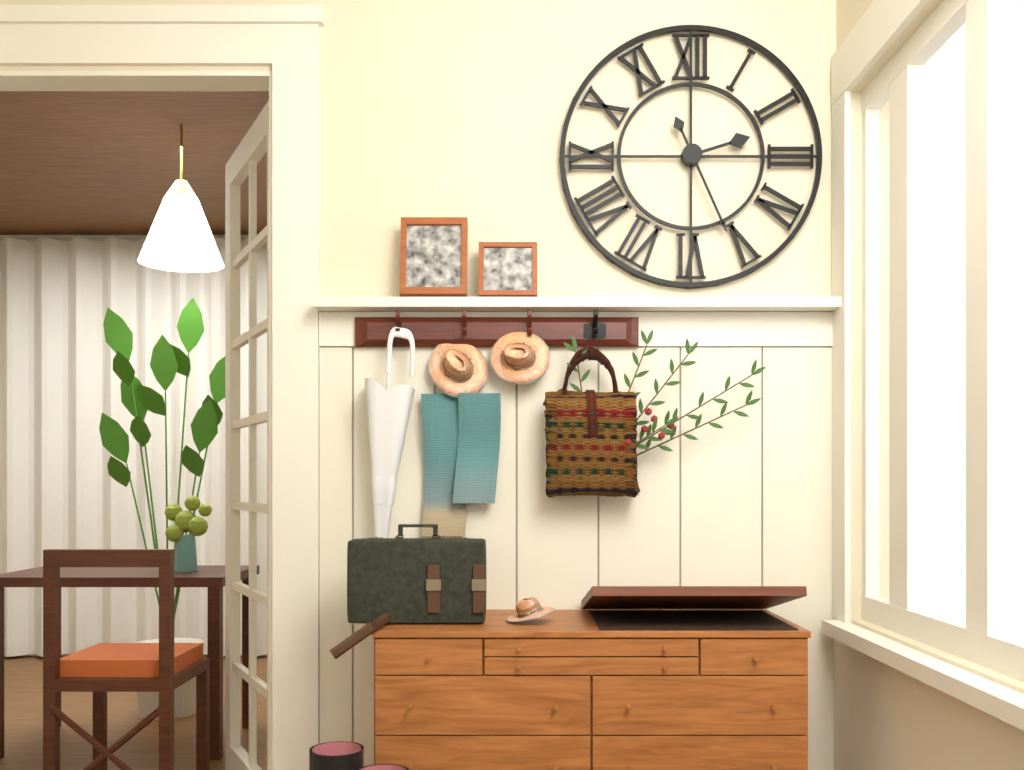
2:26
